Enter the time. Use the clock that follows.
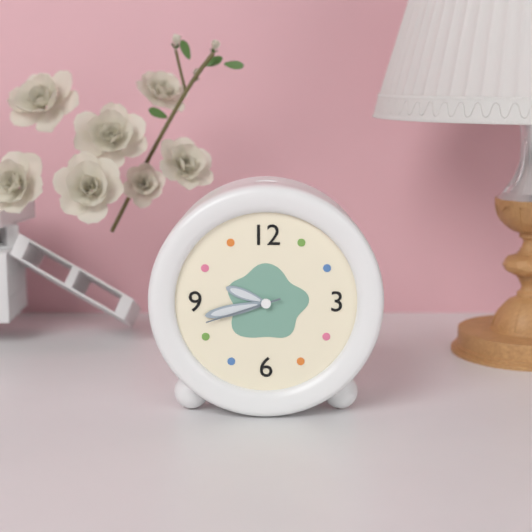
9:43:42
